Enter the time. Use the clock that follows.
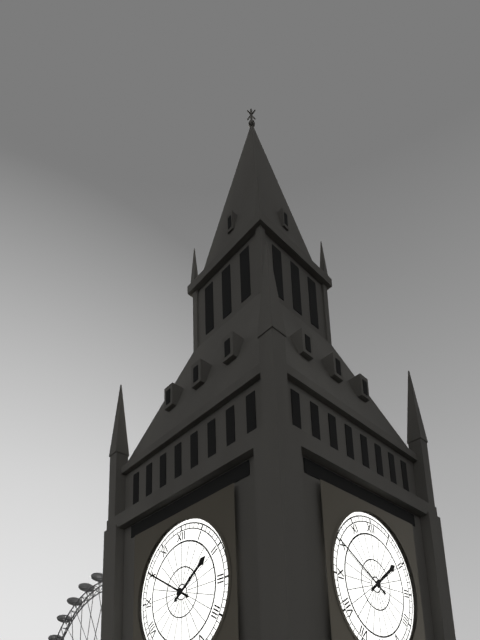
1:50
